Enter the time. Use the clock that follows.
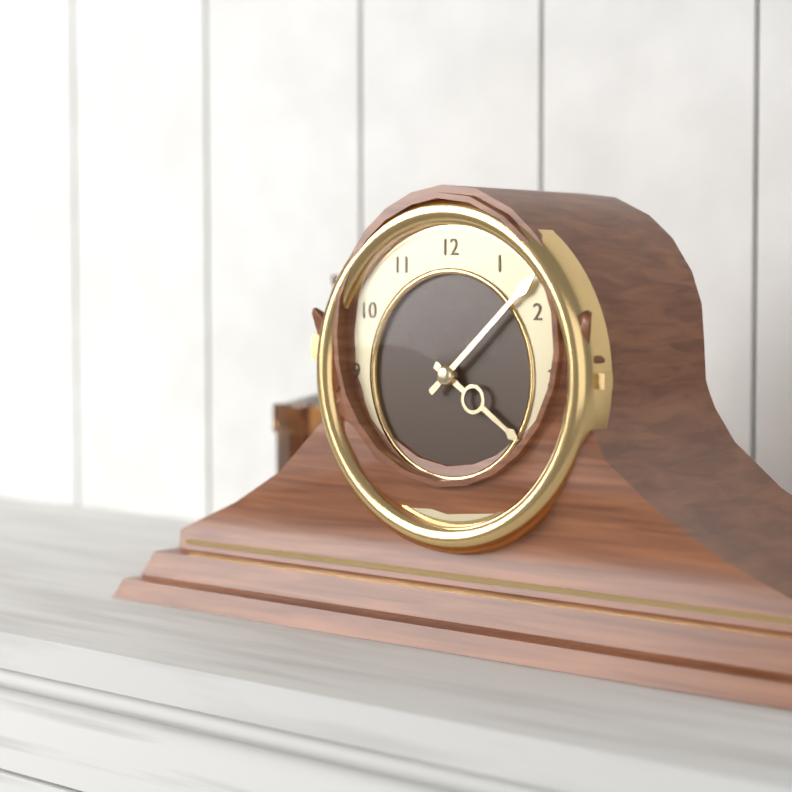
4:08
